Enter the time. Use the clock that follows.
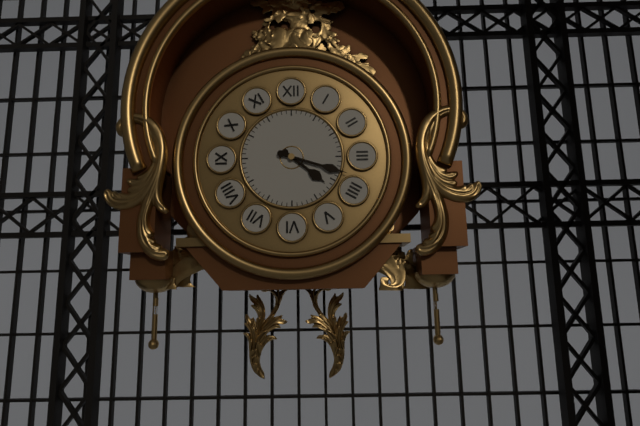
4:18
